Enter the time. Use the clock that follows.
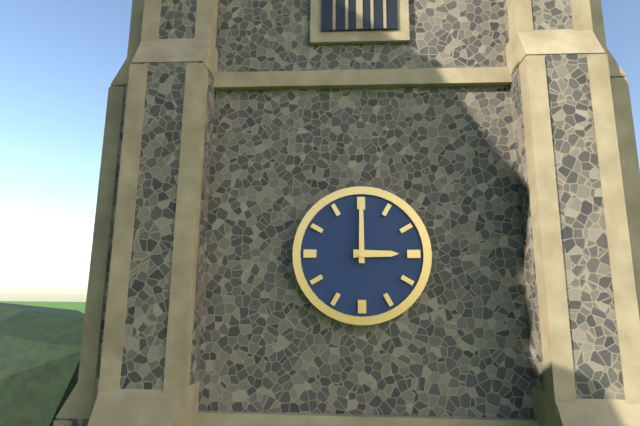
3:00
